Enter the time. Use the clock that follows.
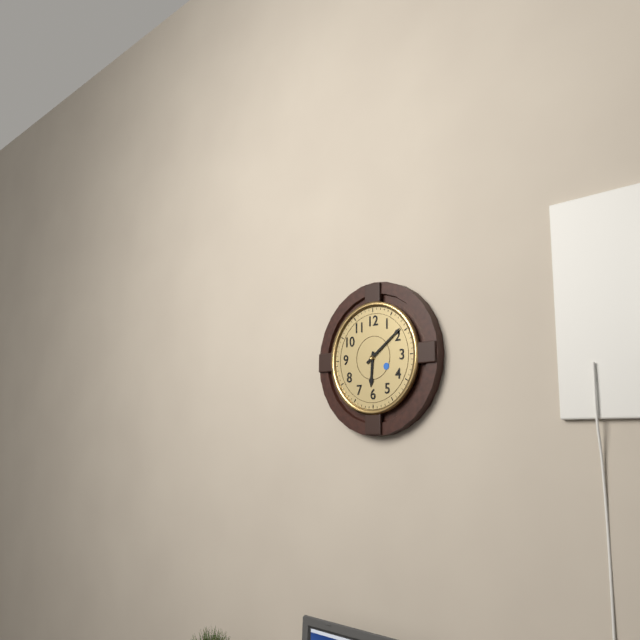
6:09
